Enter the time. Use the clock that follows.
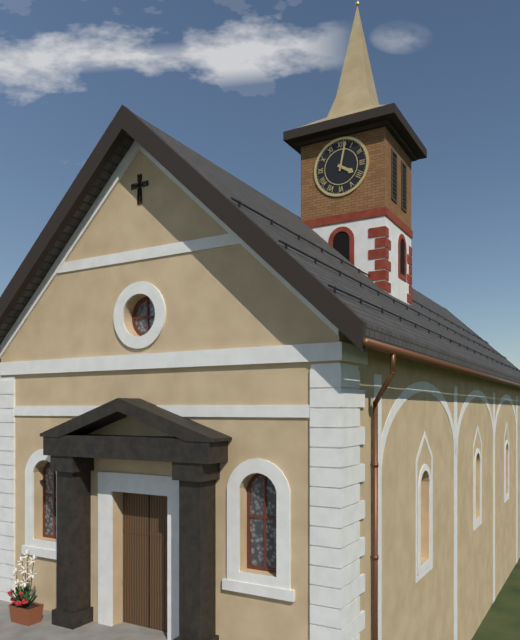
4:02
